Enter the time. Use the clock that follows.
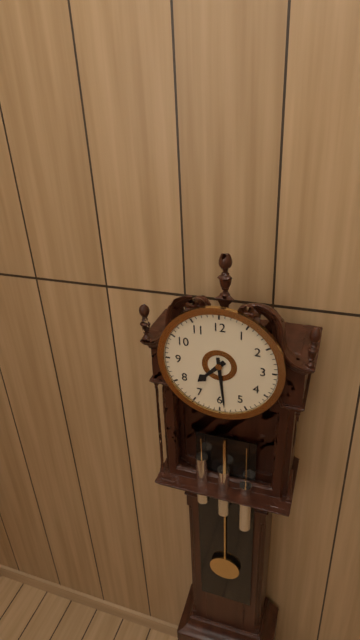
7:29
